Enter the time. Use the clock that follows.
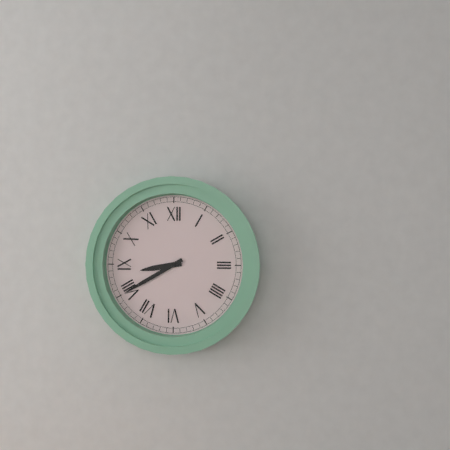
8:40
